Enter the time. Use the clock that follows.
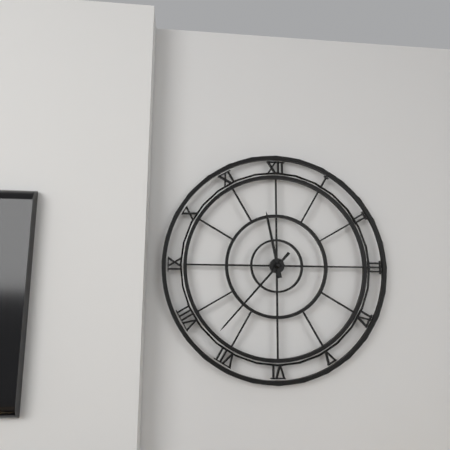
11:37
